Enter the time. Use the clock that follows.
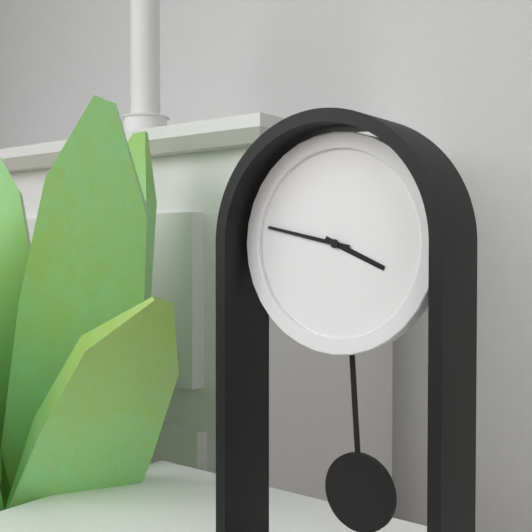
3:47
